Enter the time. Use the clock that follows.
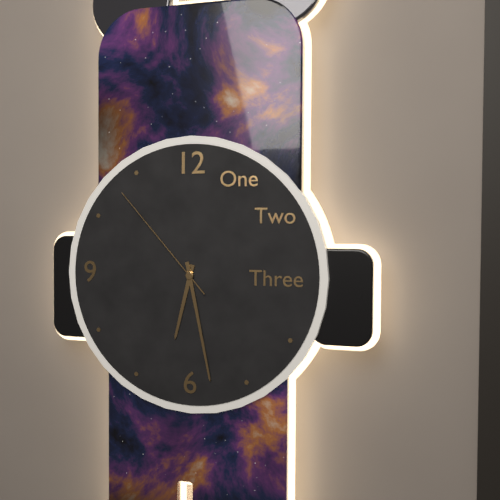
6:28:53
